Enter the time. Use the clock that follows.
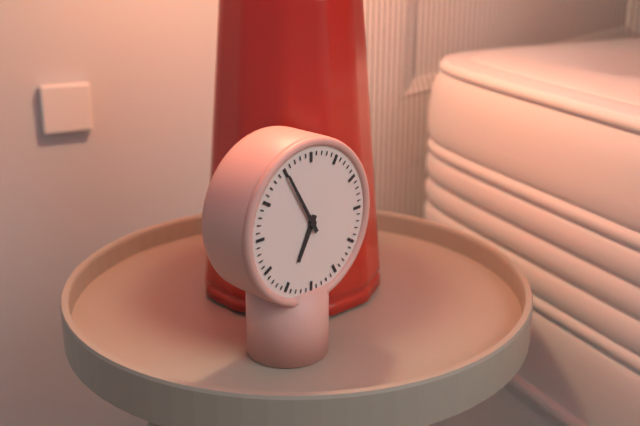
6:55
